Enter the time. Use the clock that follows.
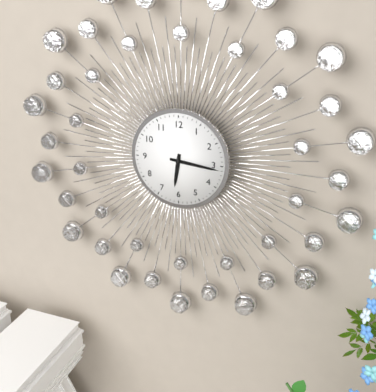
6:16
